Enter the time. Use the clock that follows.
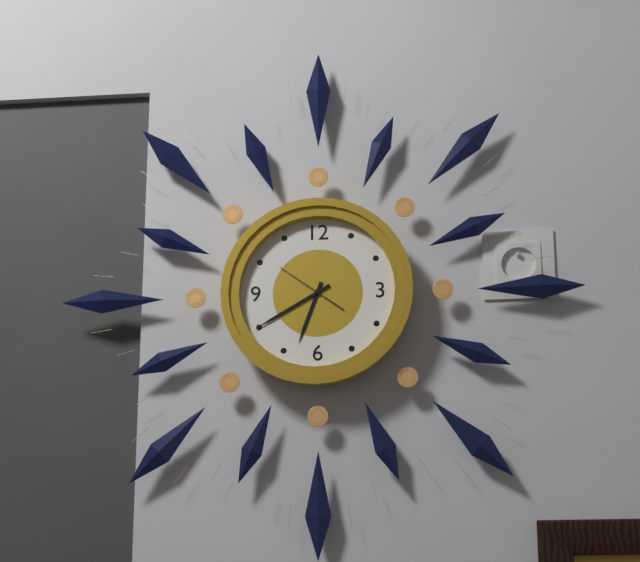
6:40:51
